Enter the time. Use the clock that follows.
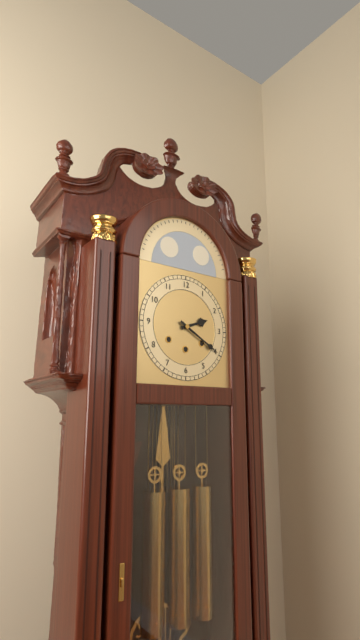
2:20
